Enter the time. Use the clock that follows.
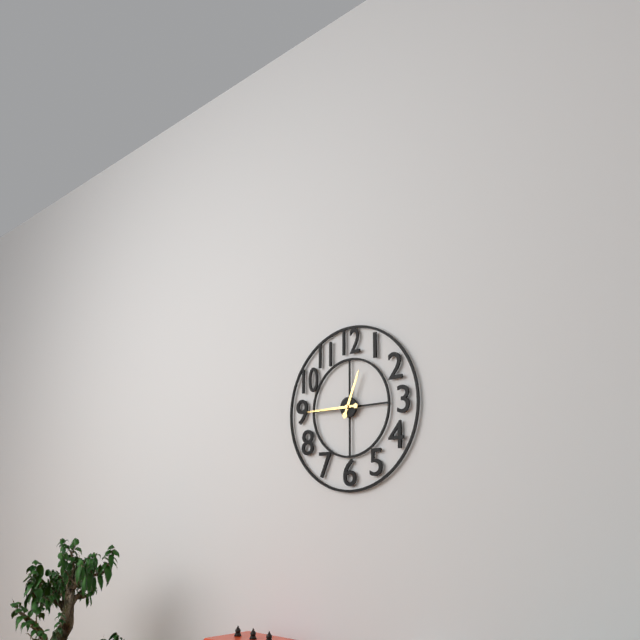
12:45
